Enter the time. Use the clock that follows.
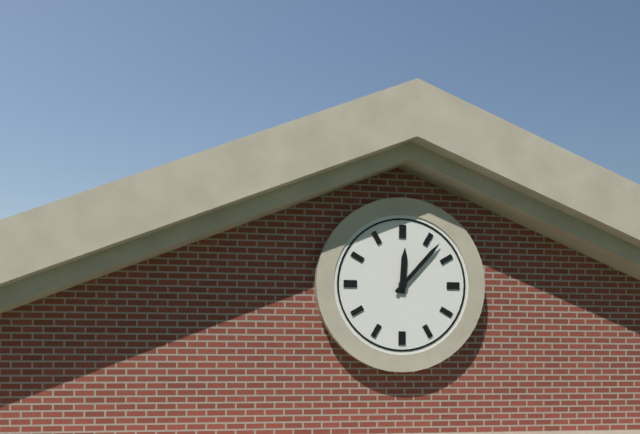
12:07
